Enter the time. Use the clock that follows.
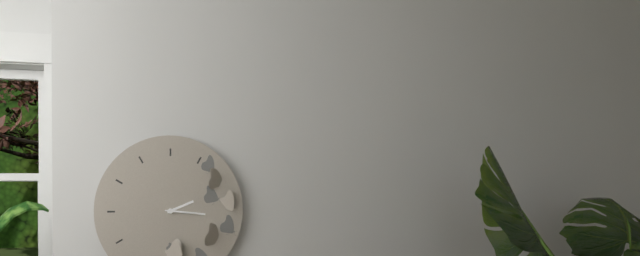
2:16
